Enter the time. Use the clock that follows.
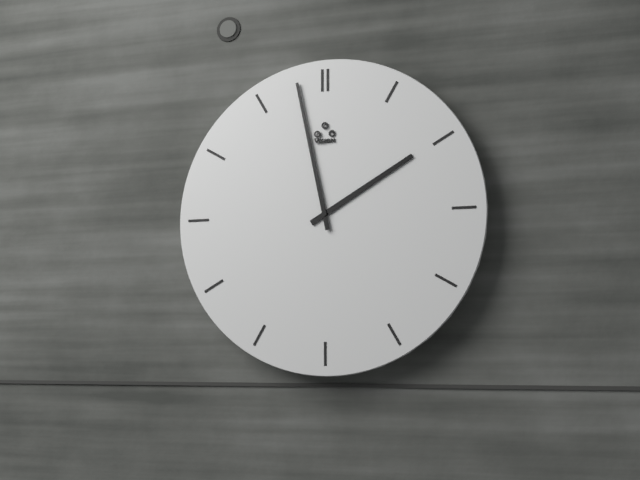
1:58
